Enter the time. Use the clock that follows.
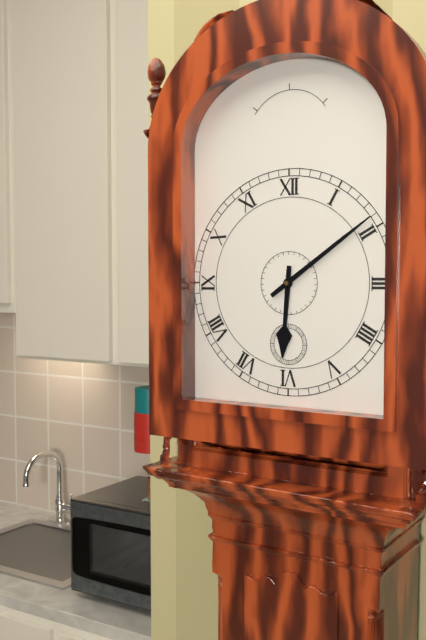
6:09
